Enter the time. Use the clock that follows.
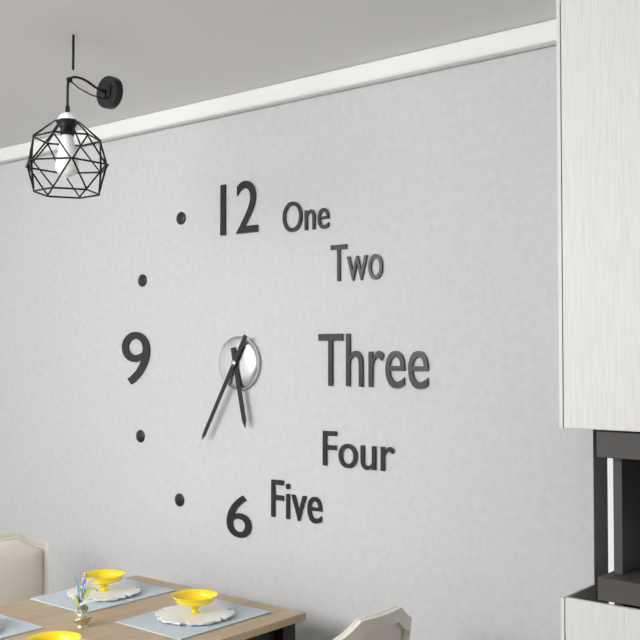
5:35
